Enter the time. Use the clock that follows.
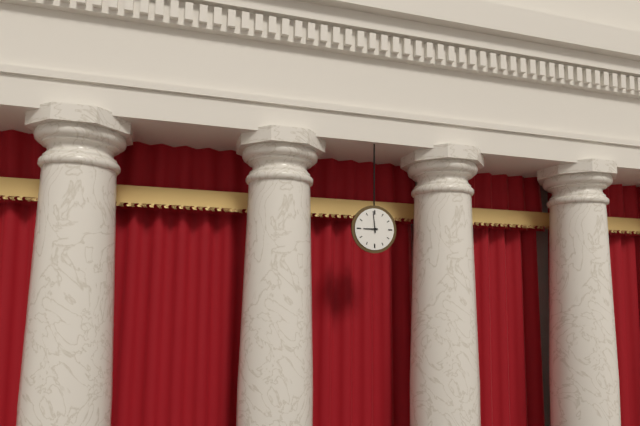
8:59
